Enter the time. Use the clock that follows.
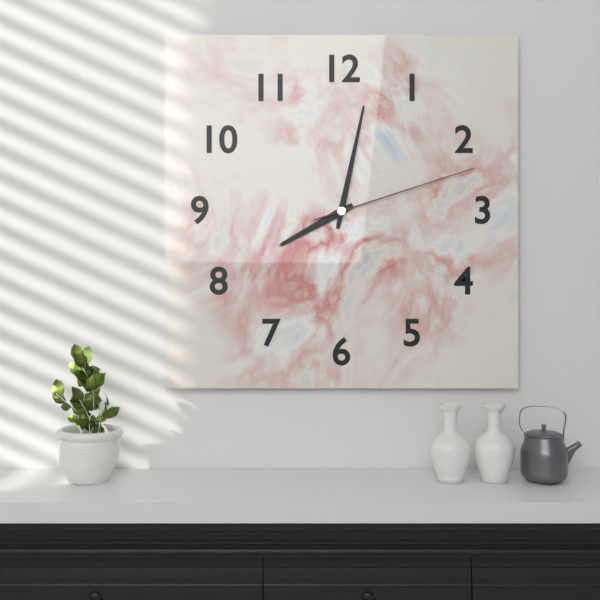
8:02:12
